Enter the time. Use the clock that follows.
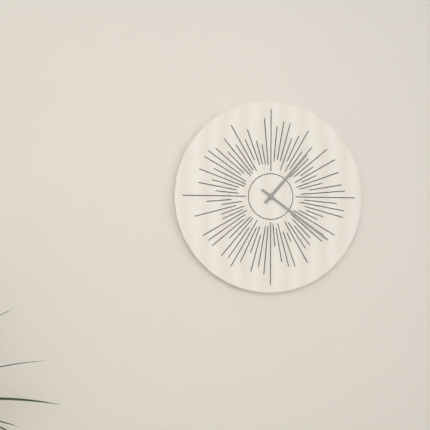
1:21
